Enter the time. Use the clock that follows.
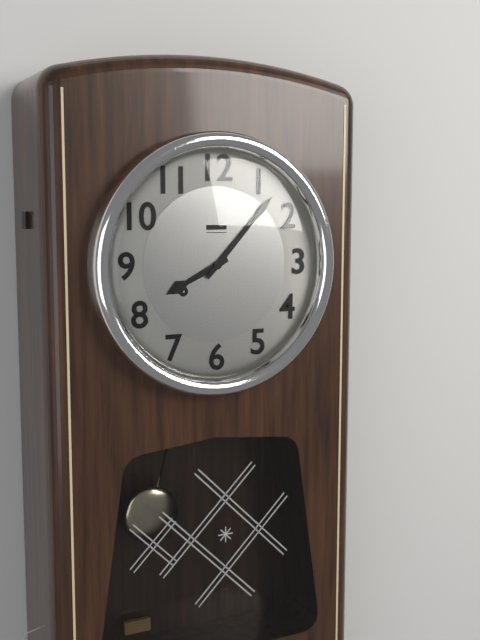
8:07
